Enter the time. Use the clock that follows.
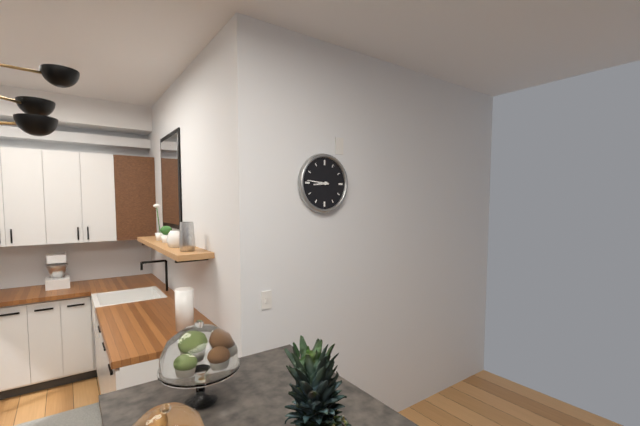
8:46
